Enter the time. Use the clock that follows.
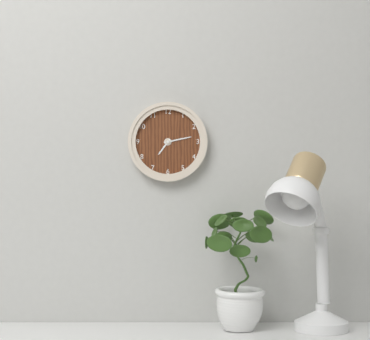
7:13
